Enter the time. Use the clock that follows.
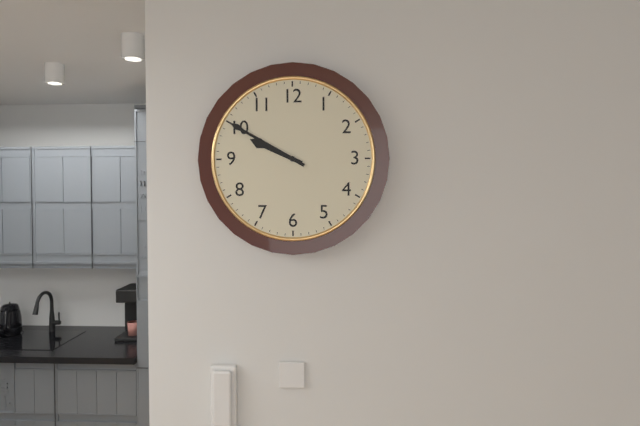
9:50
